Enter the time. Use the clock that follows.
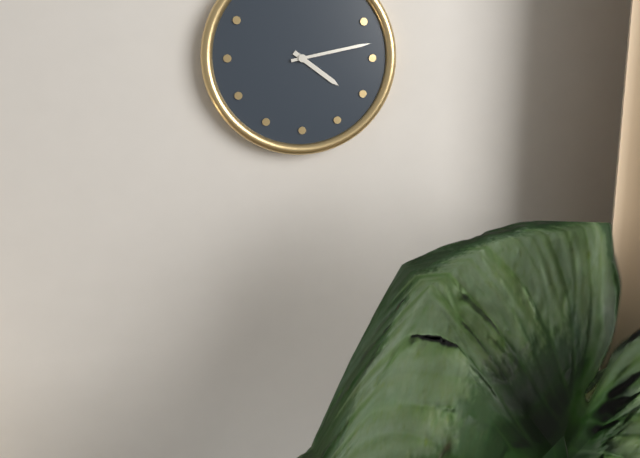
4:13
